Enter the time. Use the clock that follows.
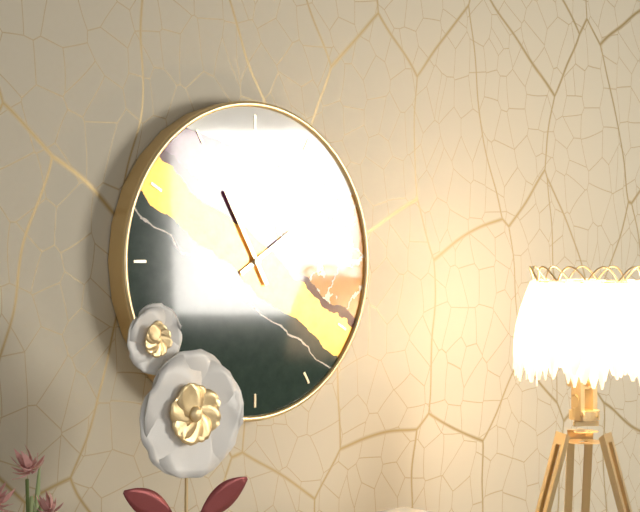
1:55
